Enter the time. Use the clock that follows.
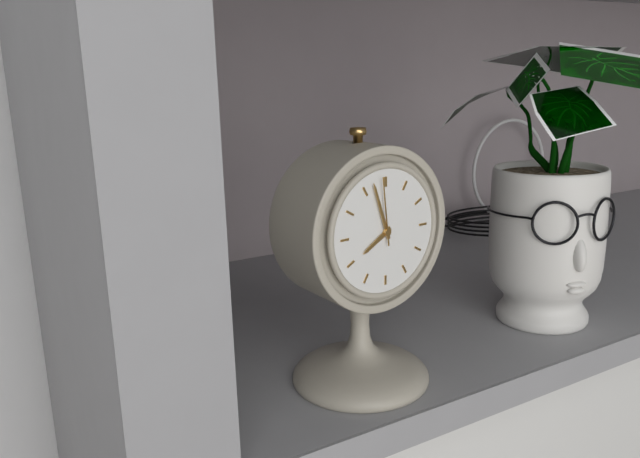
7:57:59
